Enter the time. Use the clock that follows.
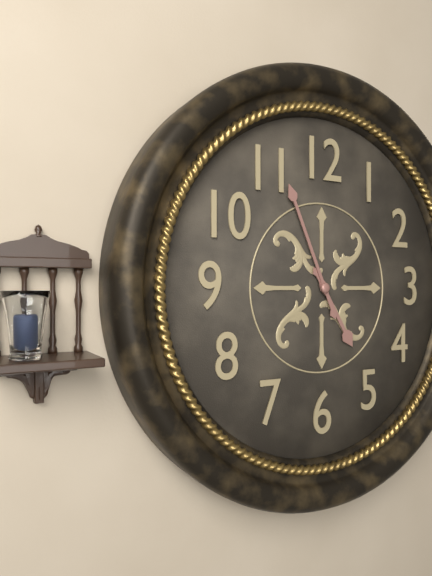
4:56
